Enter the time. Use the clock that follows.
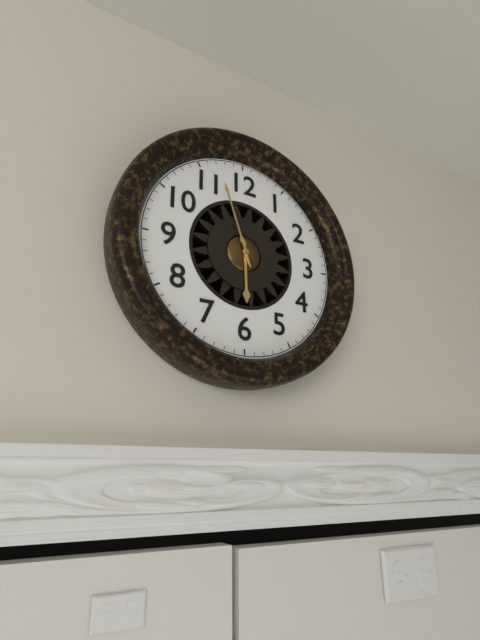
5:57
